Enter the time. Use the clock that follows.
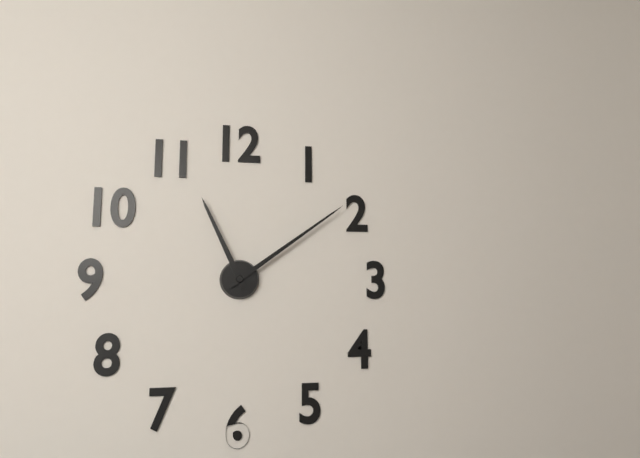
11:09
